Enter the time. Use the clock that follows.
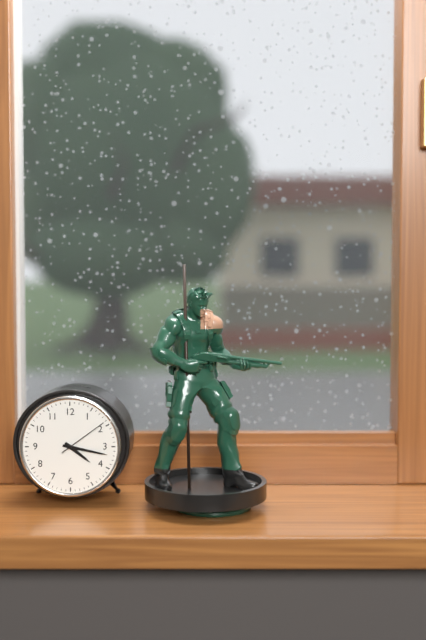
4:17:09
